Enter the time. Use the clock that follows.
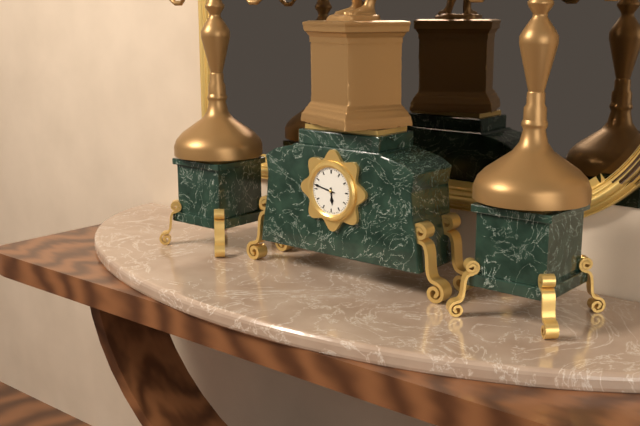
5:47
